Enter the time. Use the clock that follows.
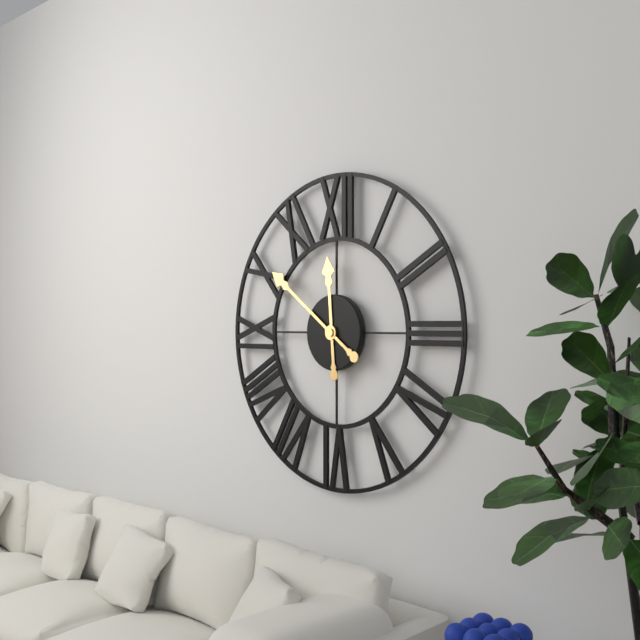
11:51
